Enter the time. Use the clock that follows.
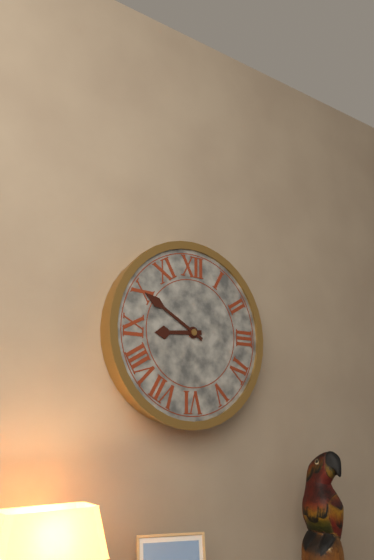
8:50
